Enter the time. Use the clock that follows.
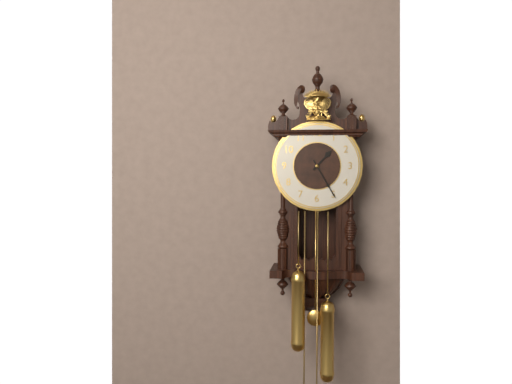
1:25
